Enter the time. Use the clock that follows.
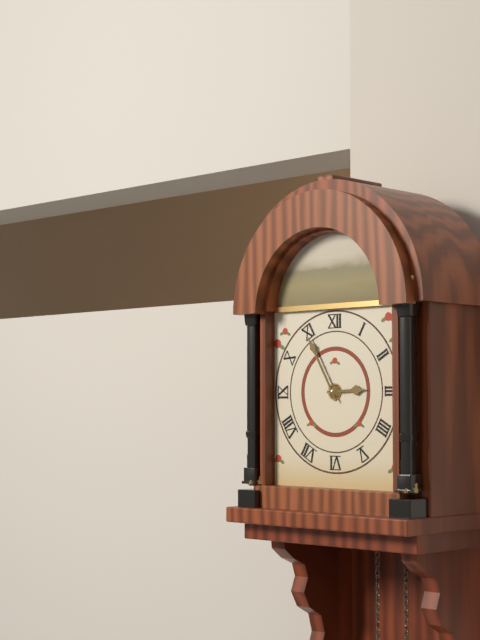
2:55
